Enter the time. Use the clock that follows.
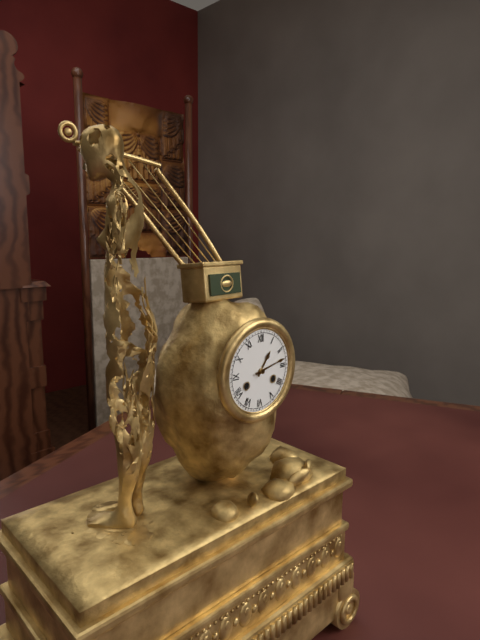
1:13
